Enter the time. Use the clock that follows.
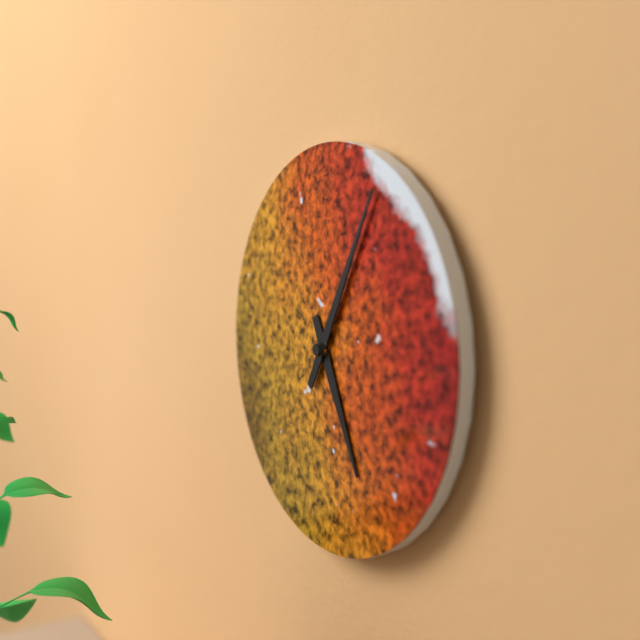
5:05
